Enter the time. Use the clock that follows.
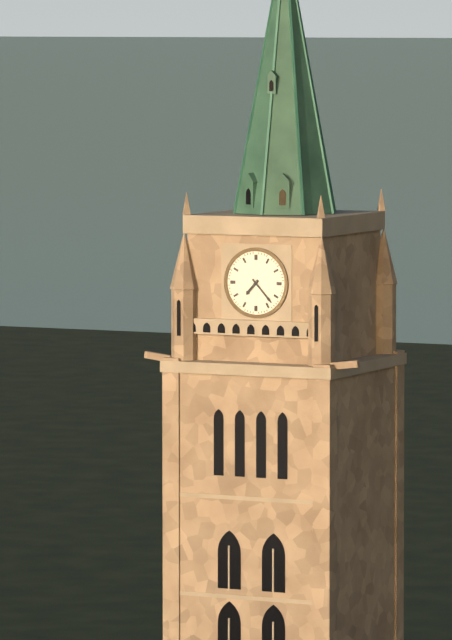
7:23
